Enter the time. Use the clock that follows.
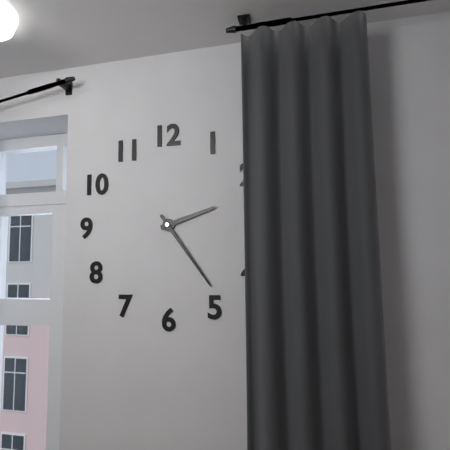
2:24
